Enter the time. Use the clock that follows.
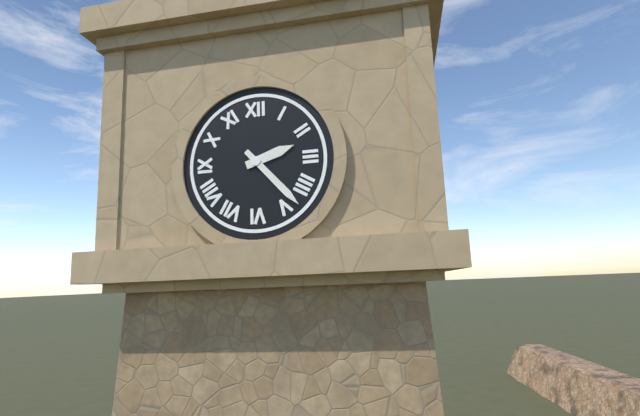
2:23
